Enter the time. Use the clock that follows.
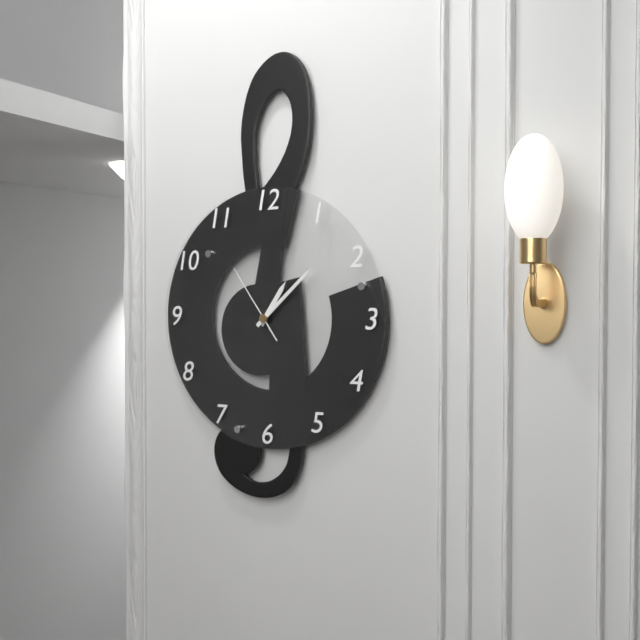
1:08:54
